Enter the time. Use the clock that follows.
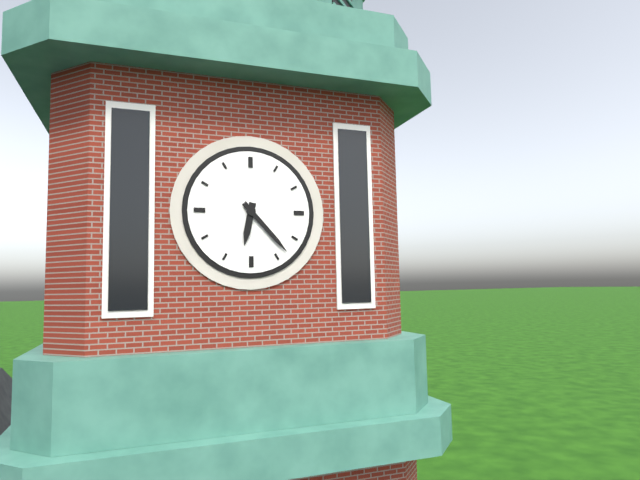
6:23
